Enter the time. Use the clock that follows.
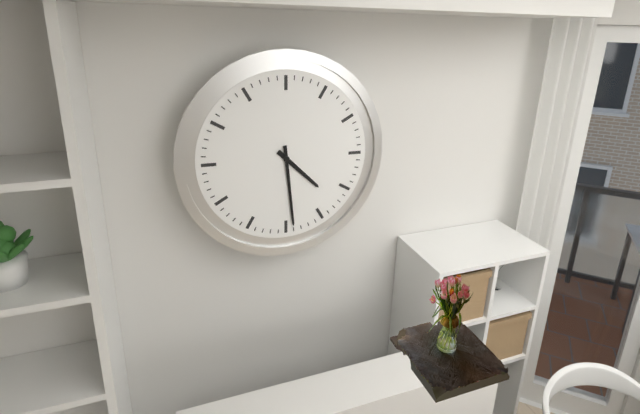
4:29
